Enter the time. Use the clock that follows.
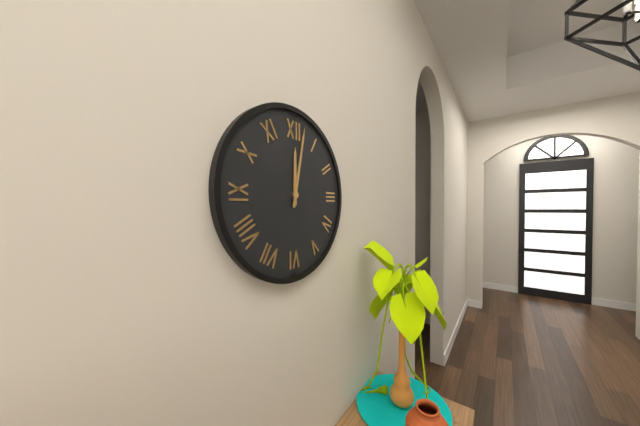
12:02
